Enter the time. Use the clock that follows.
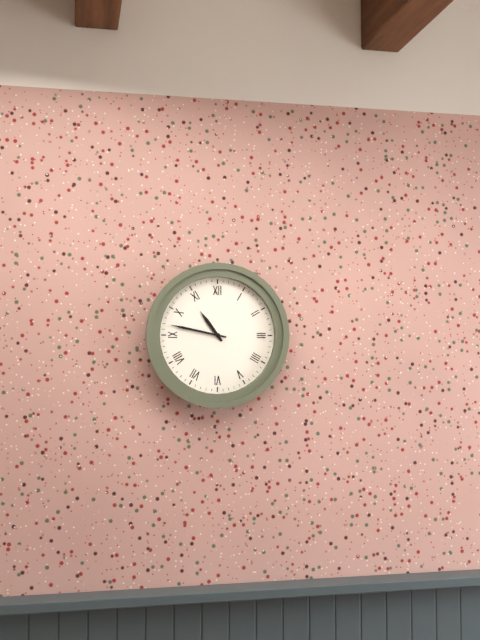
10:47
